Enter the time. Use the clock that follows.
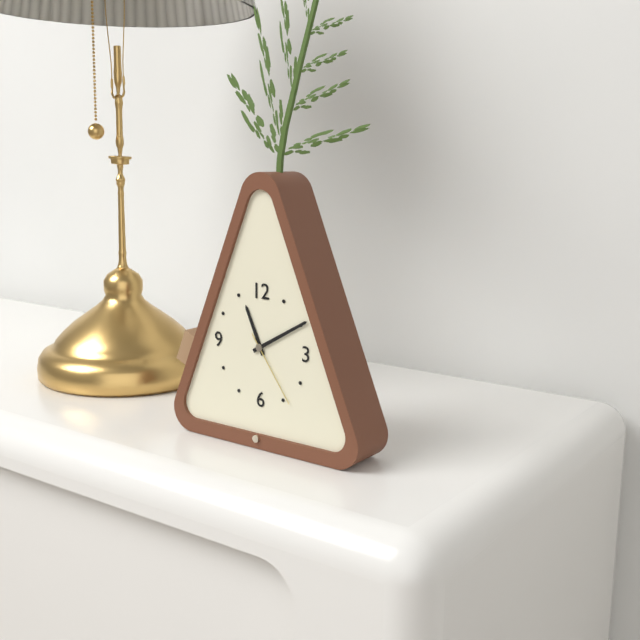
11:10:24
